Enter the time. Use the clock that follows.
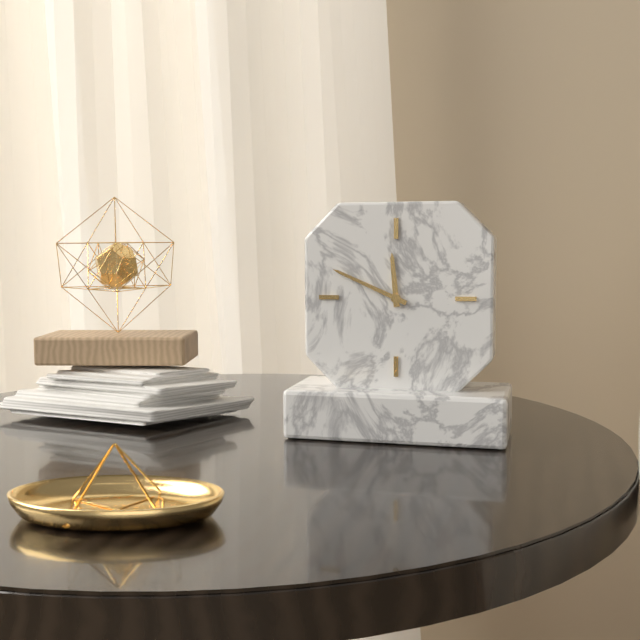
11:49
